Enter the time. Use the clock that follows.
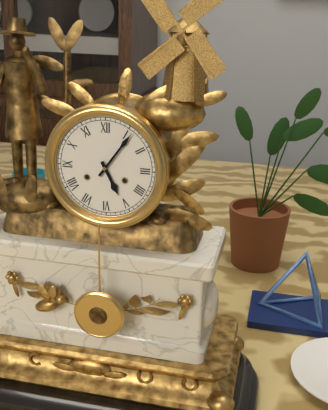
5:06
